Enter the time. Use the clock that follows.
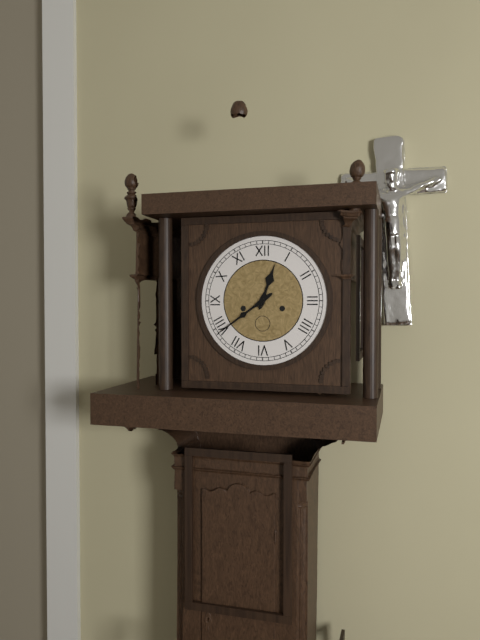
12:39
